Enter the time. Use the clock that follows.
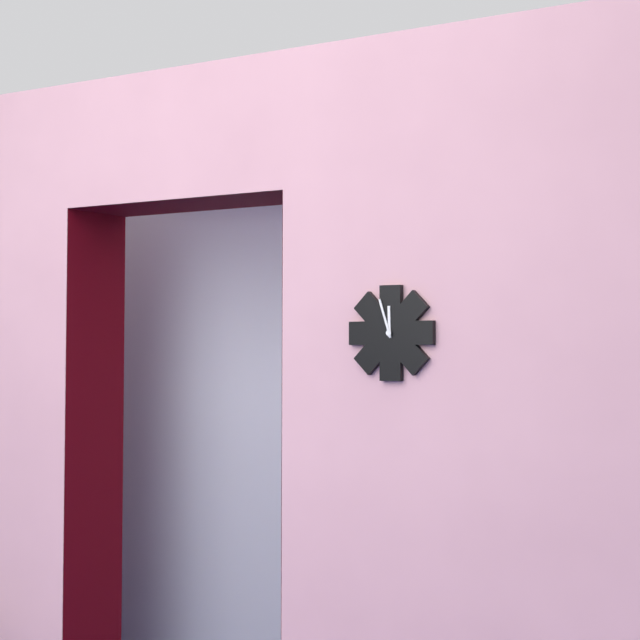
11:57
